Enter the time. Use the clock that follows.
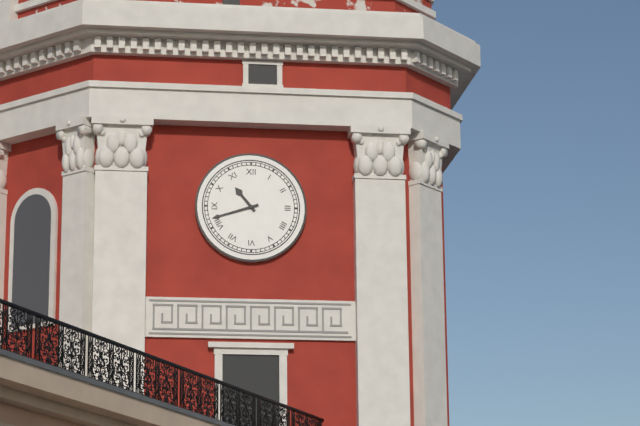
10:42
